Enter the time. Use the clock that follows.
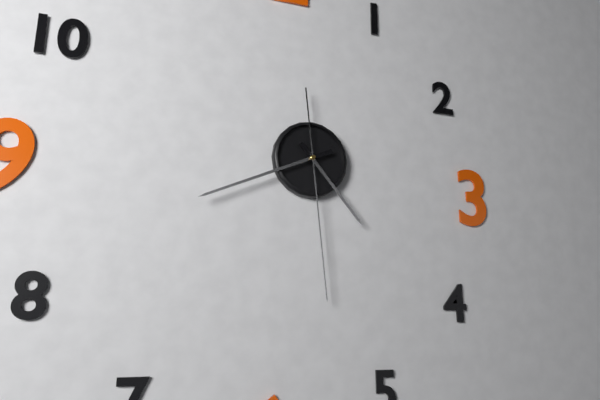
4:41:29
